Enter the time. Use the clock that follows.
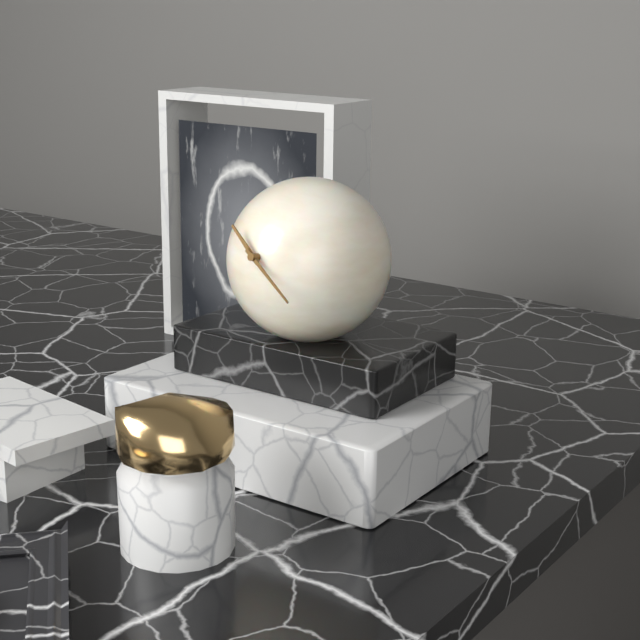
10:21
